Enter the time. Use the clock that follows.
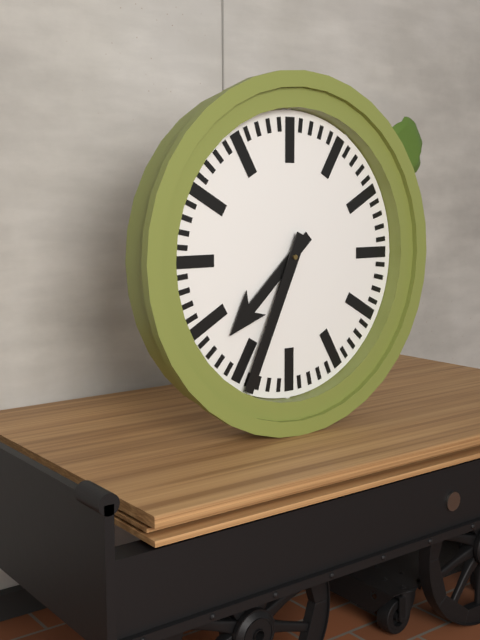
7:34
